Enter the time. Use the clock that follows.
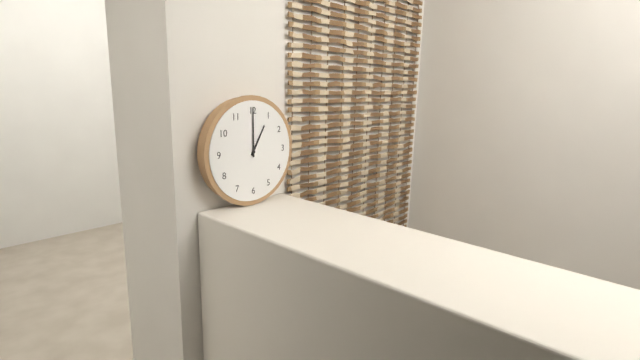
1:00
